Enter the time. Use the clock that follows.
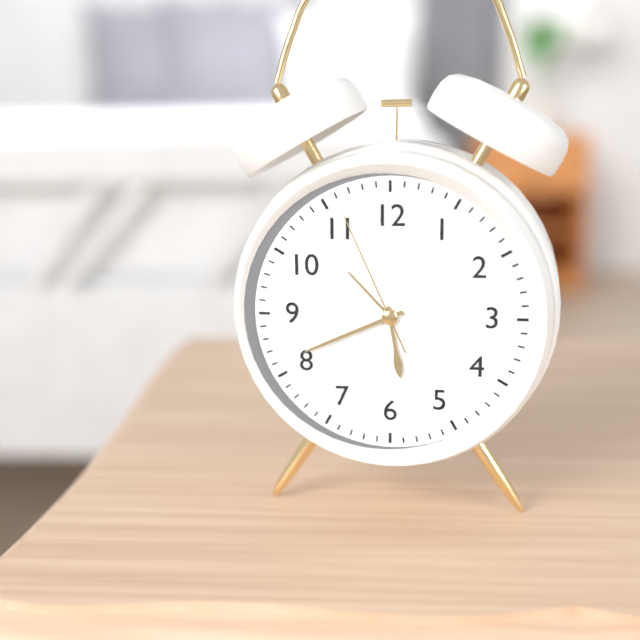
5:41:56
